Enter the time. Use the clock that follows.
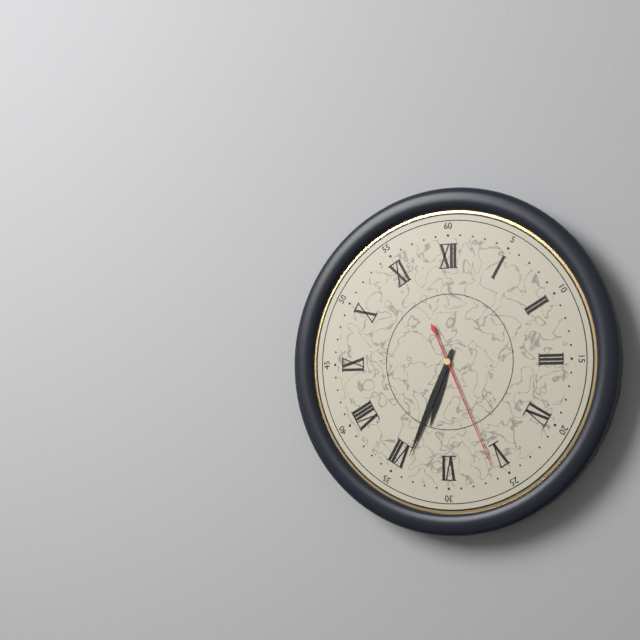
6:34:26
